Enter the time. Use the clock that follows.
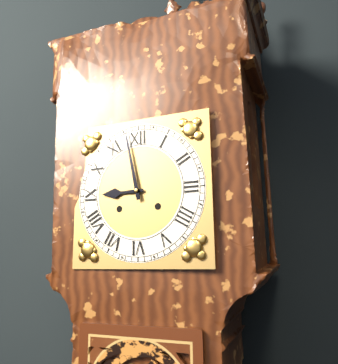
8:58
